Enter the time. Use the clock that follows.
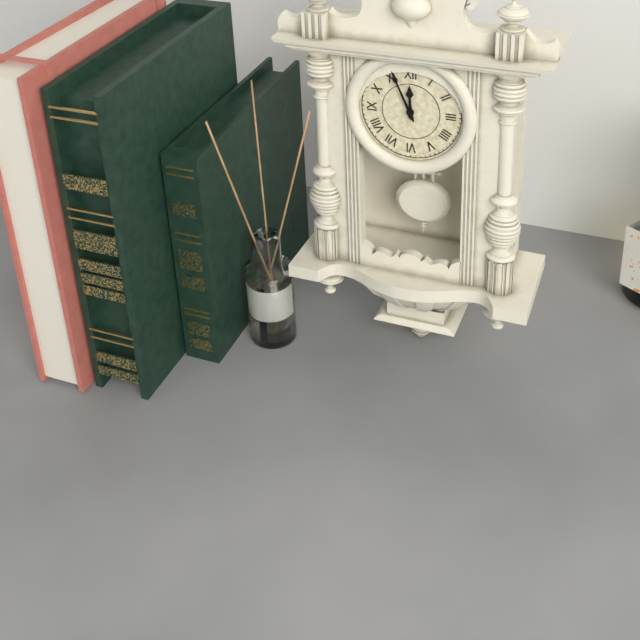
11:56
